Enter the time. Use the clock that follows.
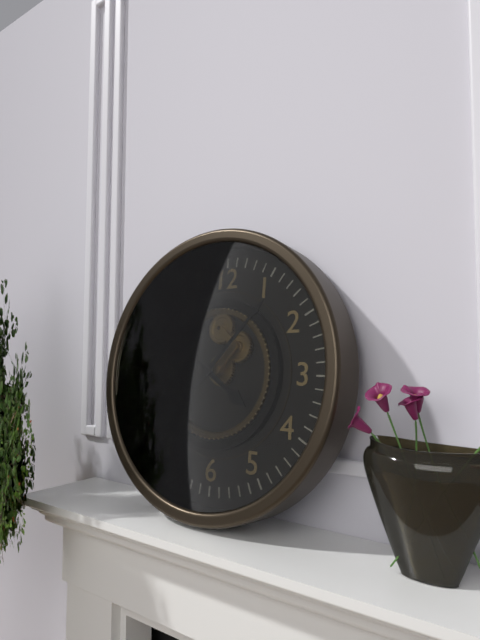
4:07
